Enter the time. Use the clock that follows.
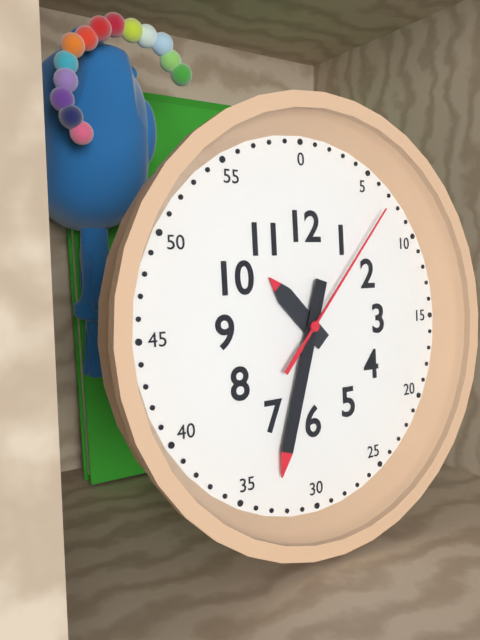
10:33:07
